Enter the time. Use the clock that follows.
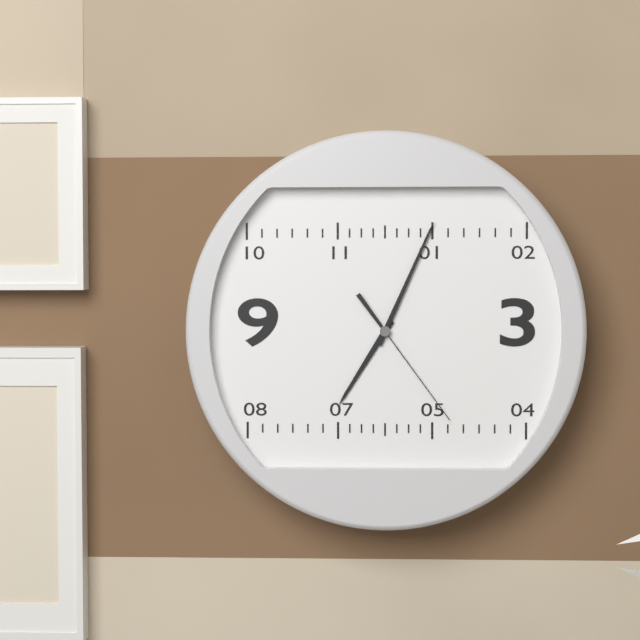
7:04:24
